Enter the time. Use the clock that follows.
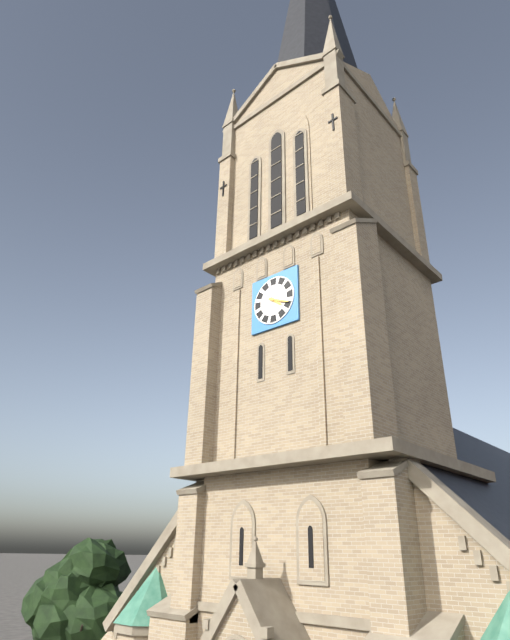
4:19
